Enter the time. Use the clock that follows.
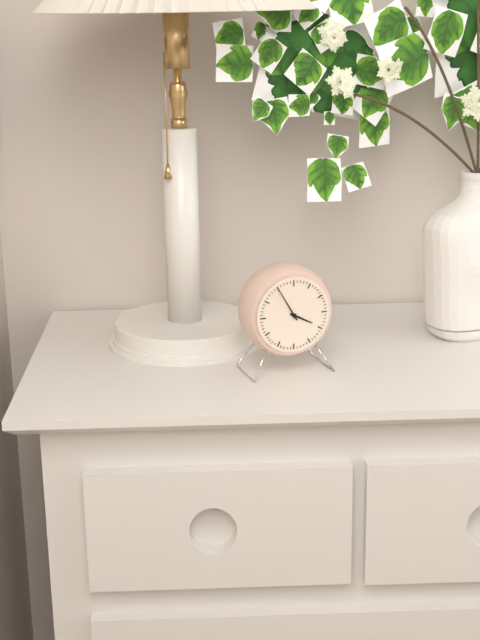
3:55
